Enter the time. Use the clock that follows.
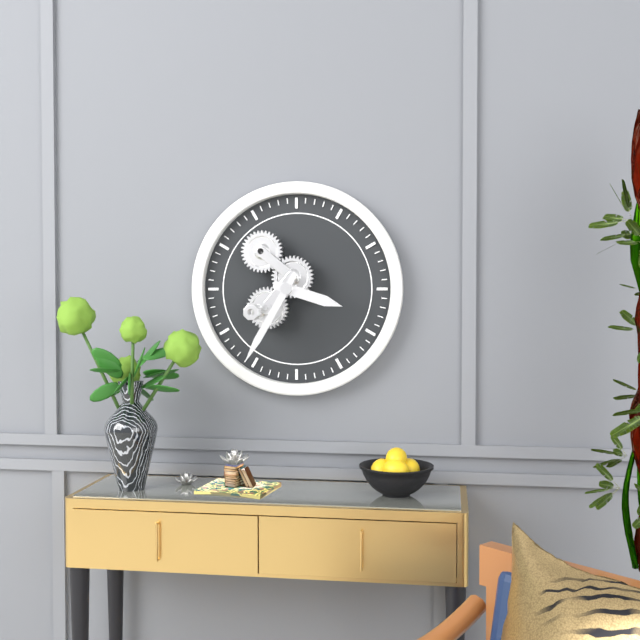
3:35
